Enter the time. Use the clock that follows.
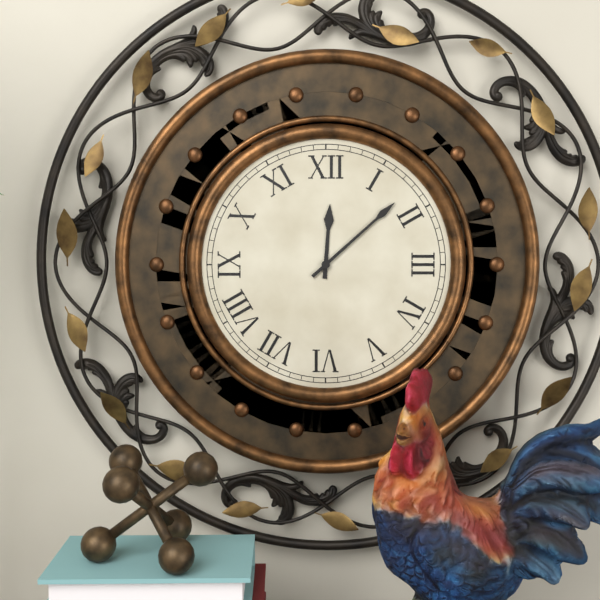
12:08
